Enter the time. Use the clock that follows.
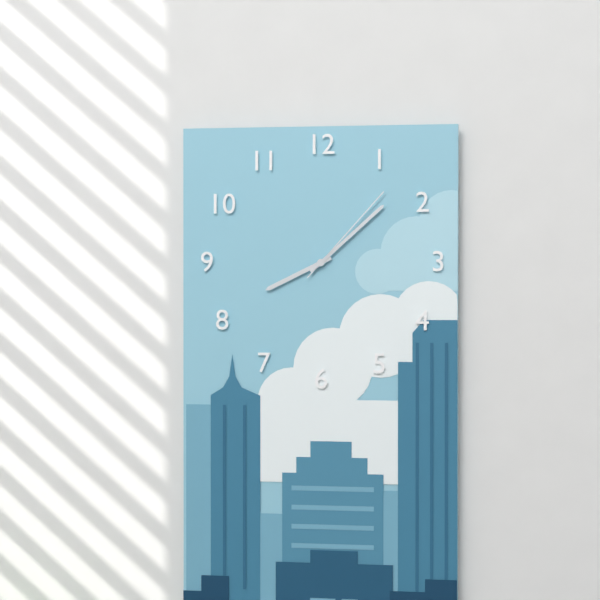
8:08:07
